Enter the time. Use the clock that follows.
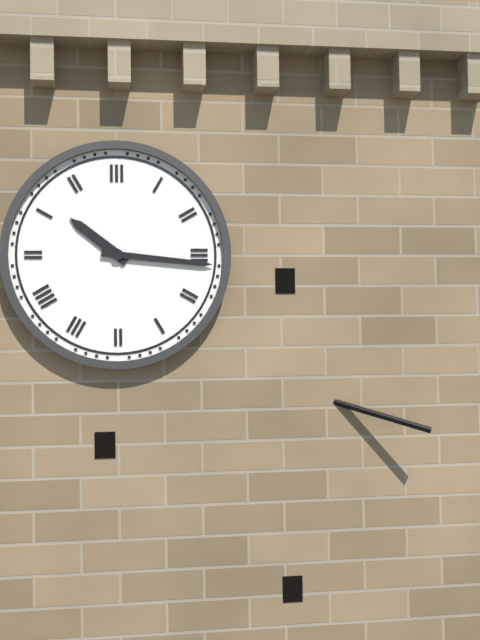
10:16
